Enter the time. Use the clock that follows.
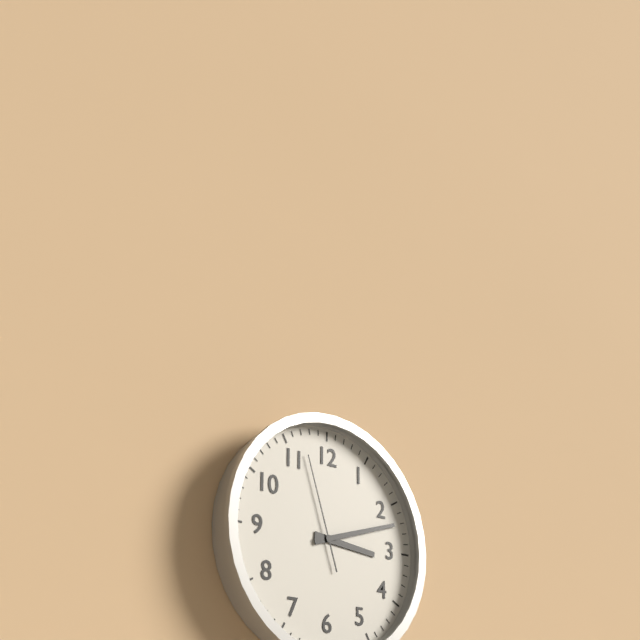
3:12:57
